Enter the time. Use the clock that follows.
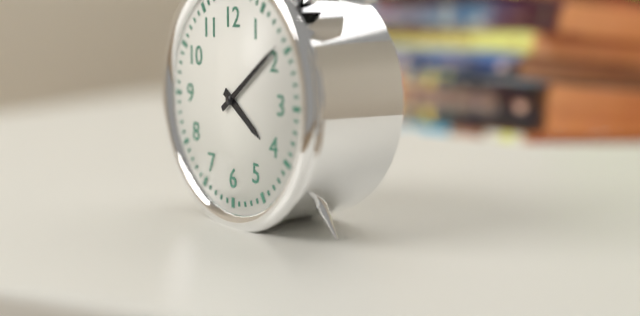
4:09
